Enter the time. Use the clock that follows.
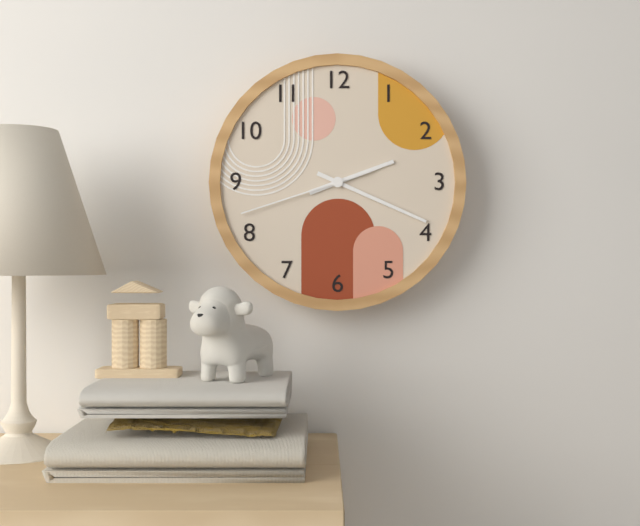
2:19:42
